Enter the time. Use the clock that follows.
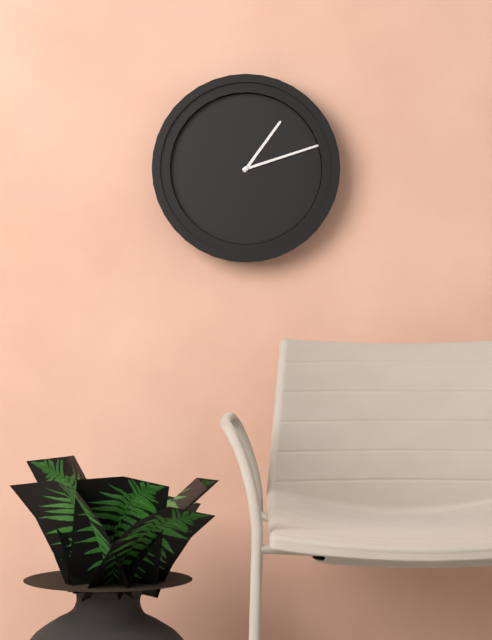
1:12
